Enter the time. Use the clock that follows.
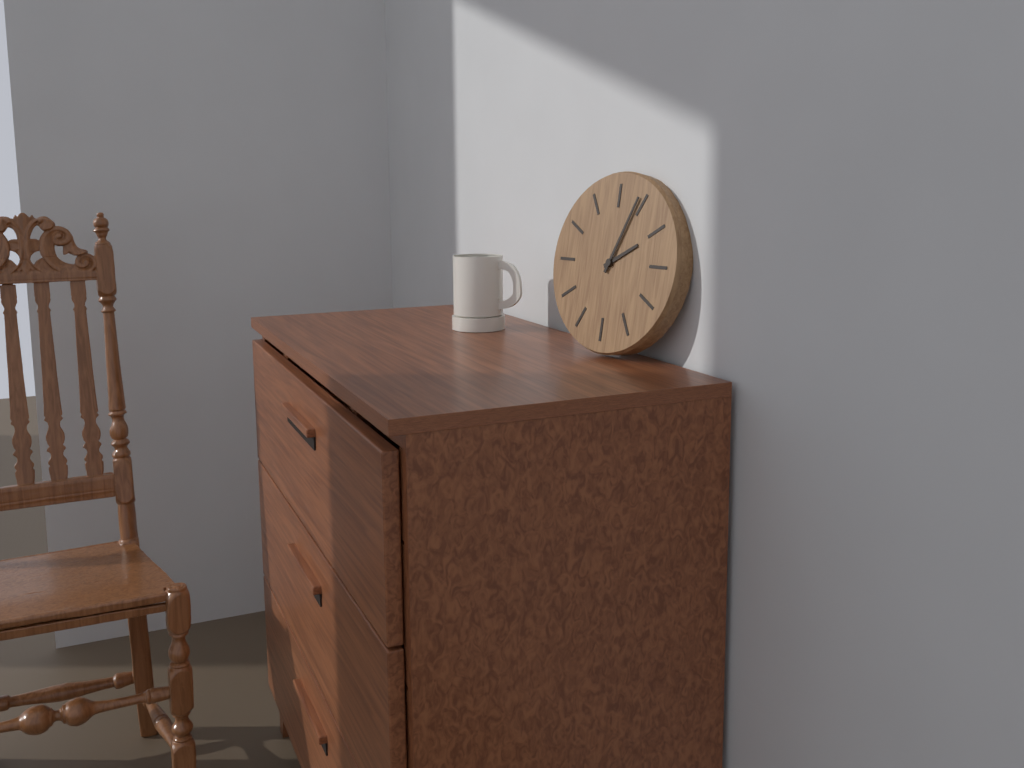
2:04
